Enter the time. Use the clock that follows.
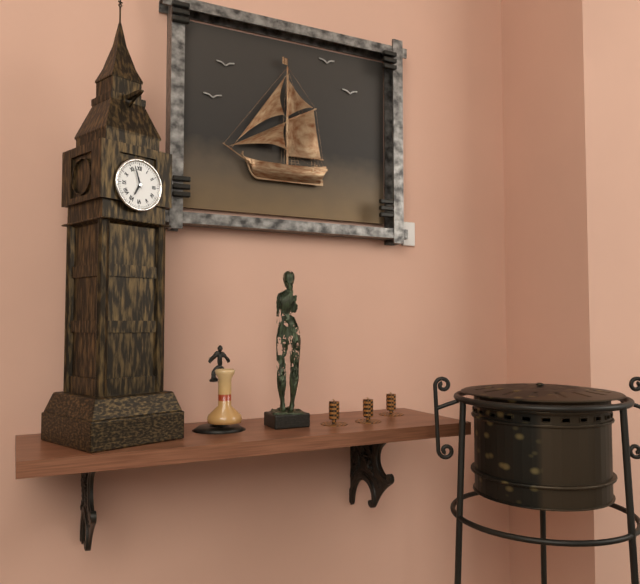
6:57
